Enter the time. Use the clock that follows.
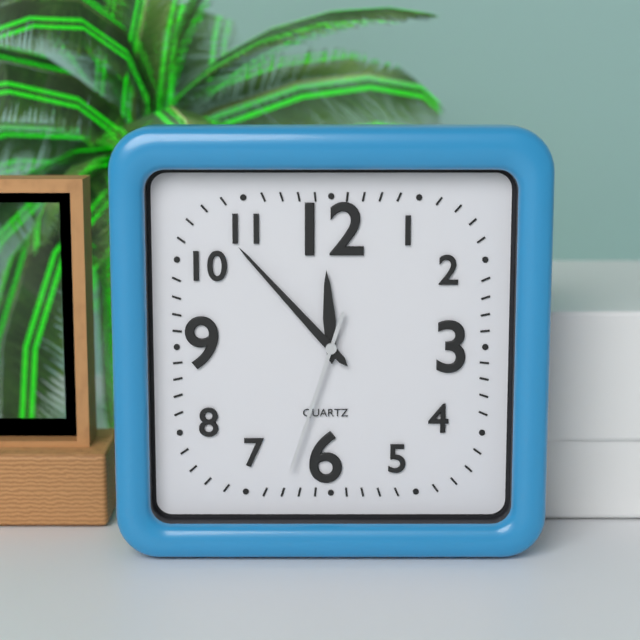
11:53:33
